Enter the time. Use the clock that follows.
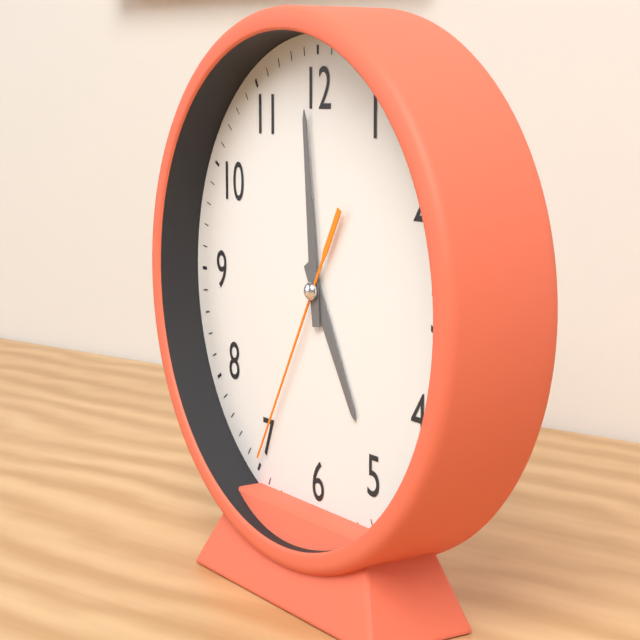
4:59:35
